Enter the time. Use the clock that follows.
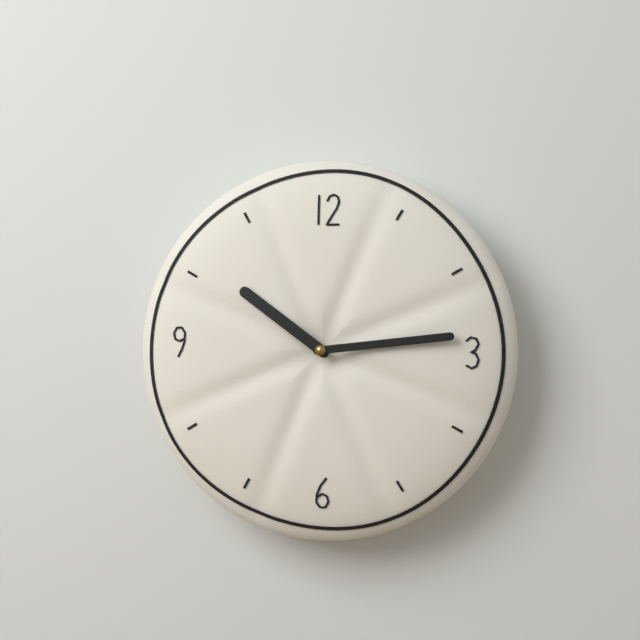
10:14
